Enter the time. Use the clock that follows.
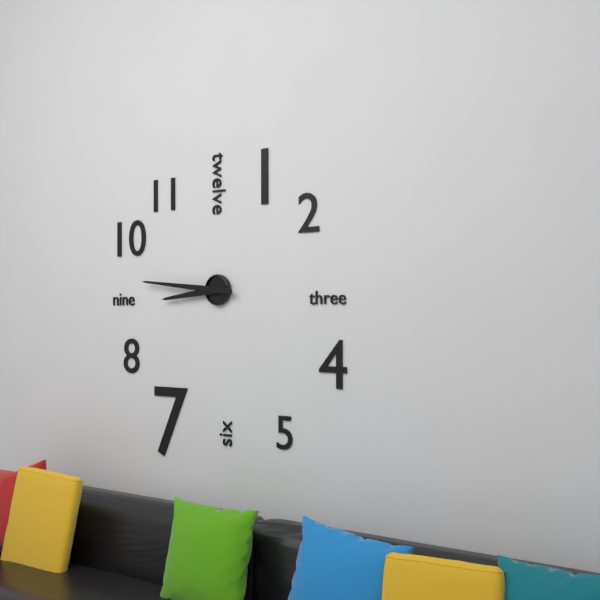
8:46
